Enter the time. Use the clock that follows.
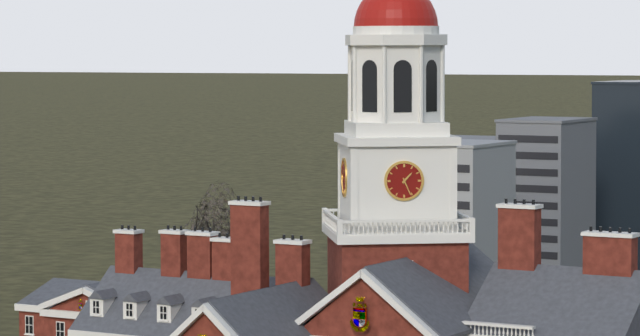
1:26
